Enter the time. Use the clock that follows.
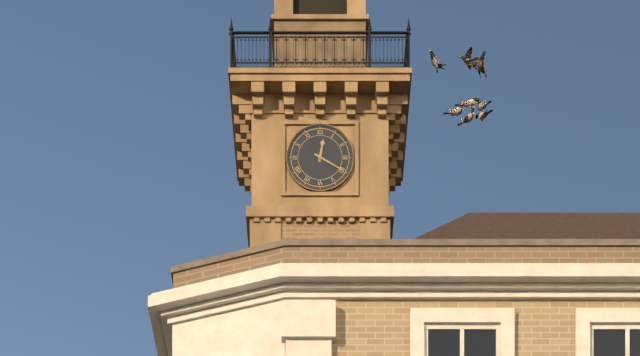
12:20
